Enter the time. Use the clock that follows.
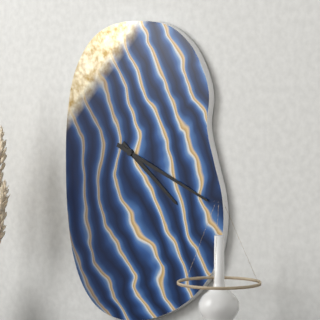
4:19
